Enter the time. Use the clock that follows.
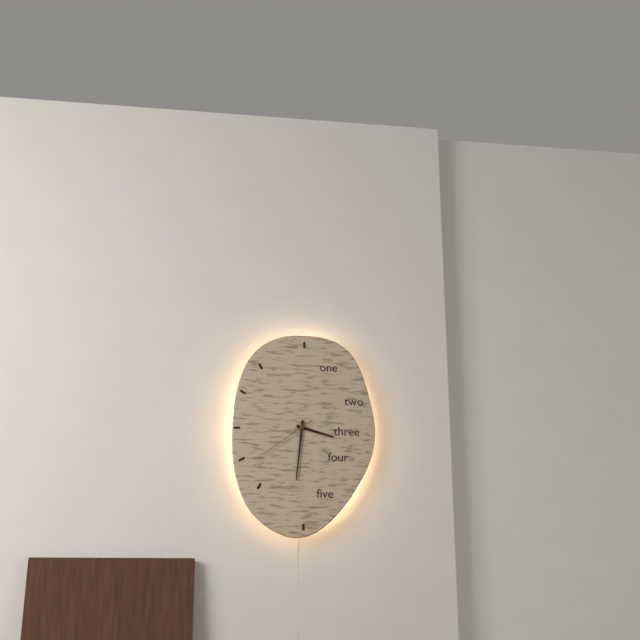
3:31:39
